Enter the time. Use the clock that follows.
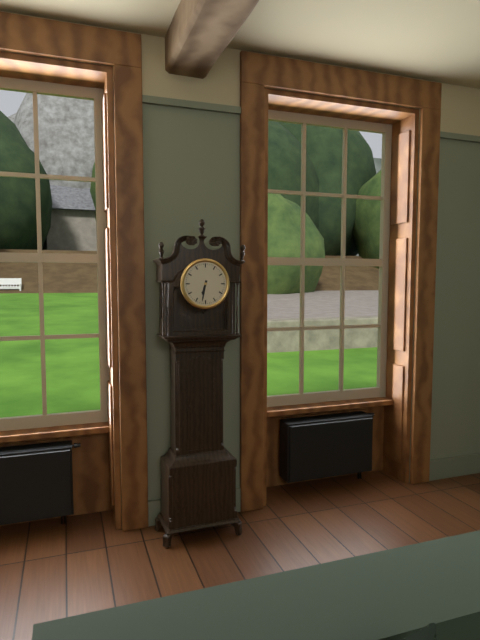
6:32
